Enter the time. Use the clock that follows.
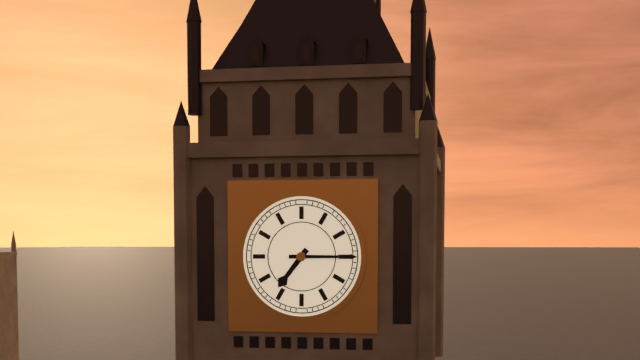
7:15
